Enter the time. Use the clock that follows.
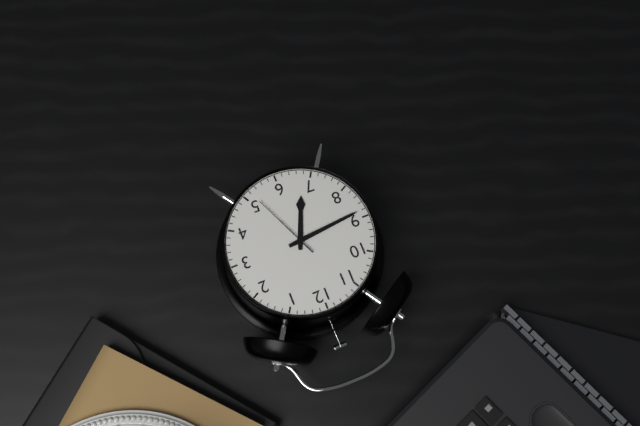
6:44:26
